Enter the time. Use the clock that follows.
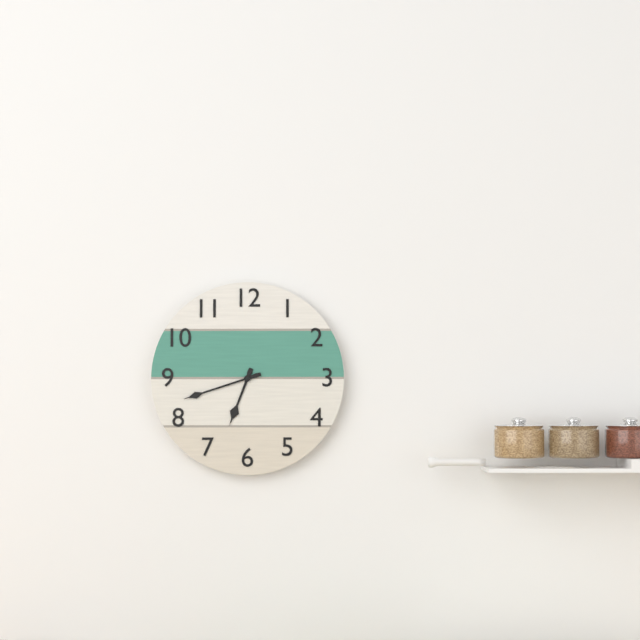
6:42
